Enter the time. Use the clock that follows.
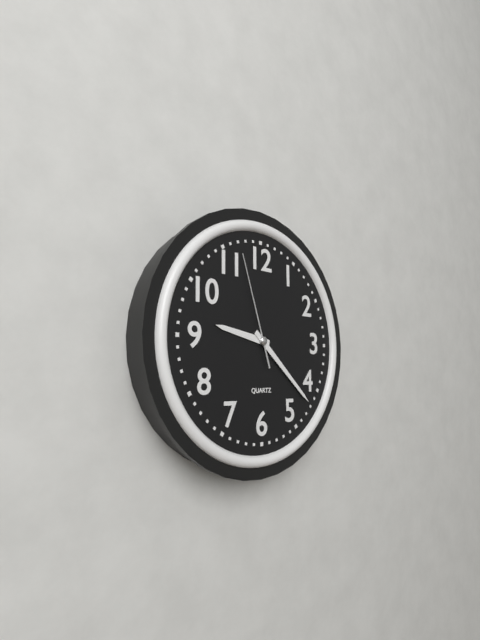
9:22:57
